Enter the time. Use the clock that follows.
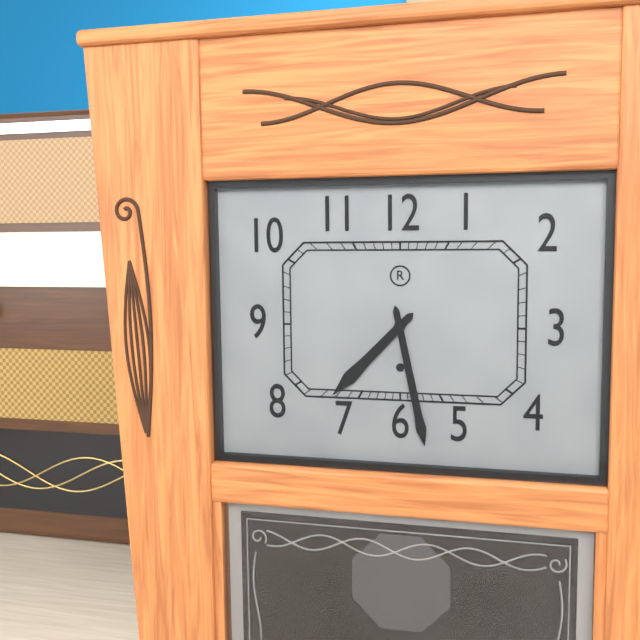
7:28
